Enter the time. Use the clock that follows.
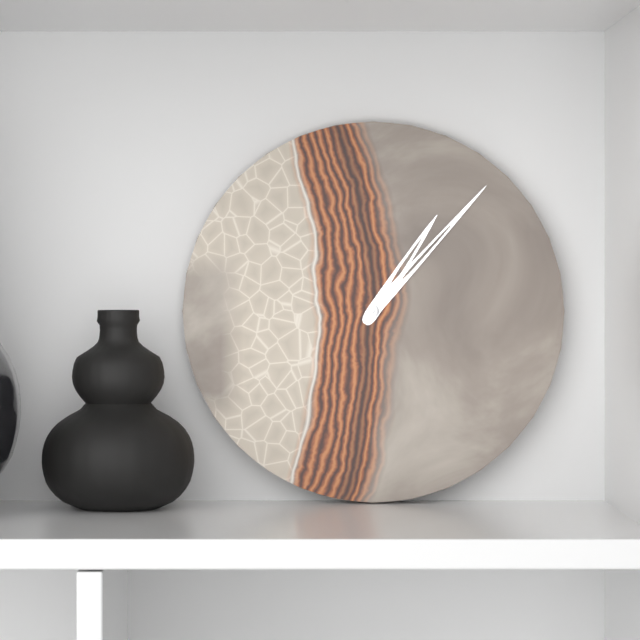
1:07
